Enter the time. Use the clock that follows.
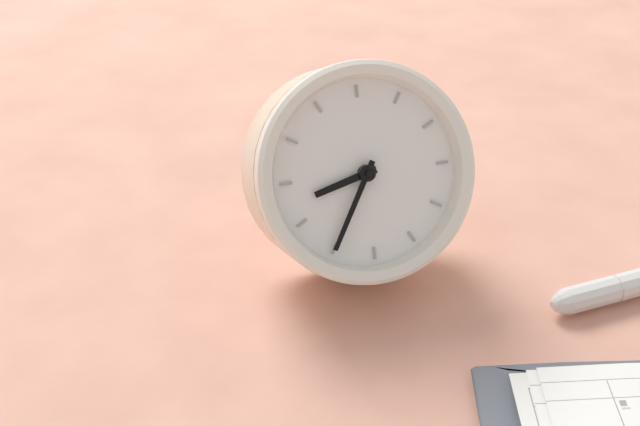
7:30
